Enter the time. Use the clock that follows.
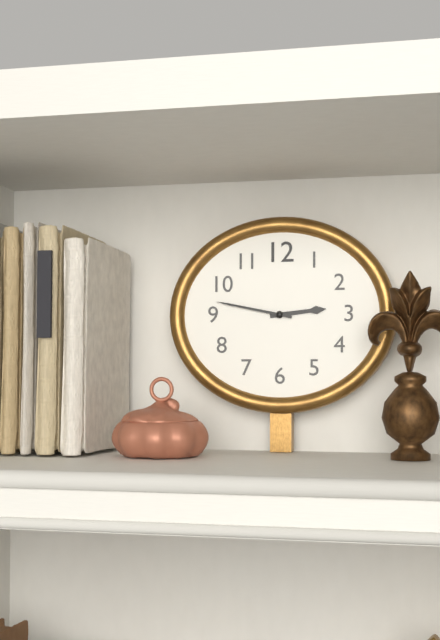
2:47
